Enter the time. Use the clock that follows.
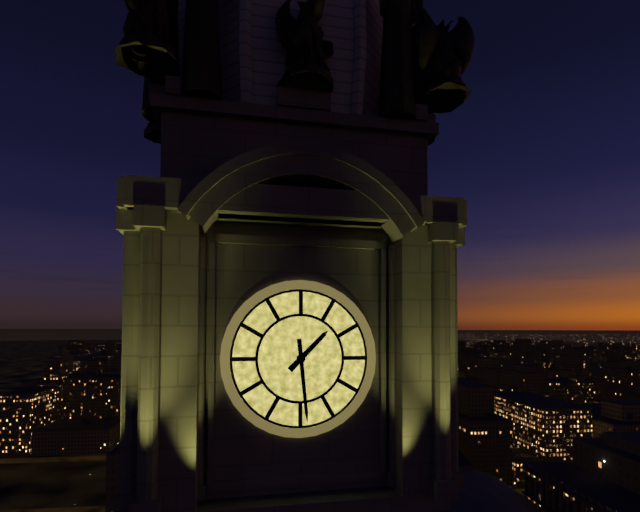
1:29
